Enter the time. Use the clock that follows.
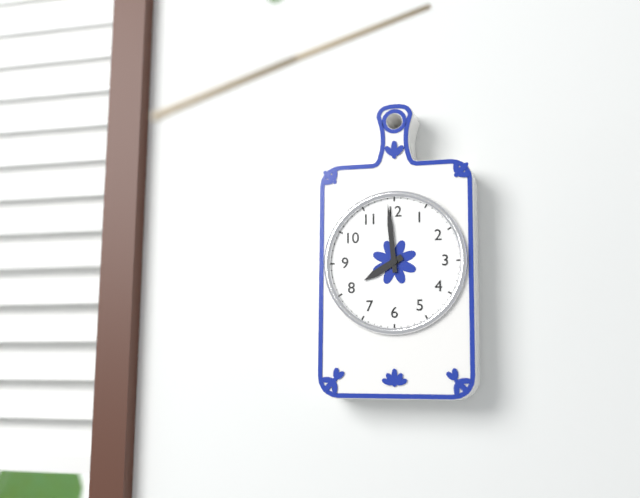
7:59
